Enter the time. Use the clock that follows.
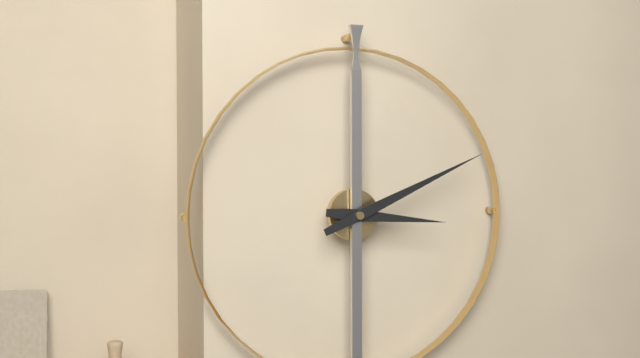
3:11
